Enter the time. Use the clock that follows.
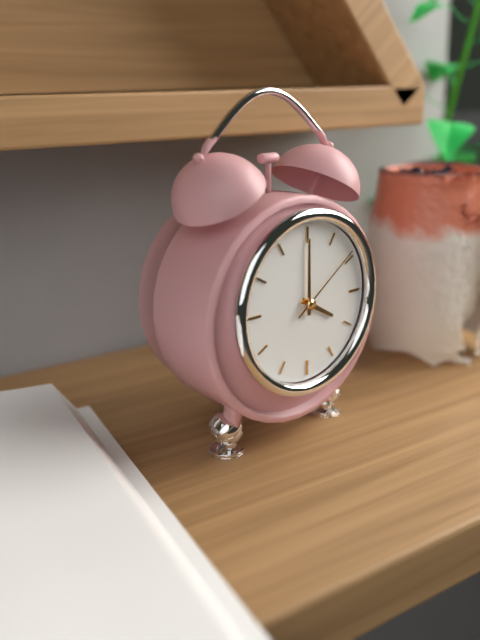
4:00:09
